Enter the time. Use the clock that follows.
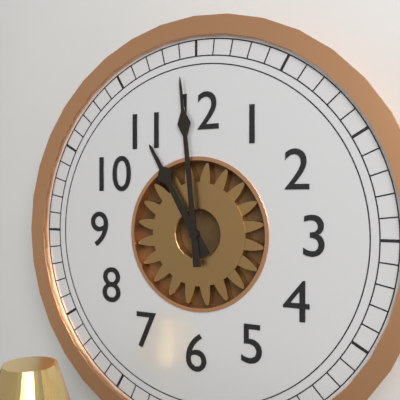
10:59
